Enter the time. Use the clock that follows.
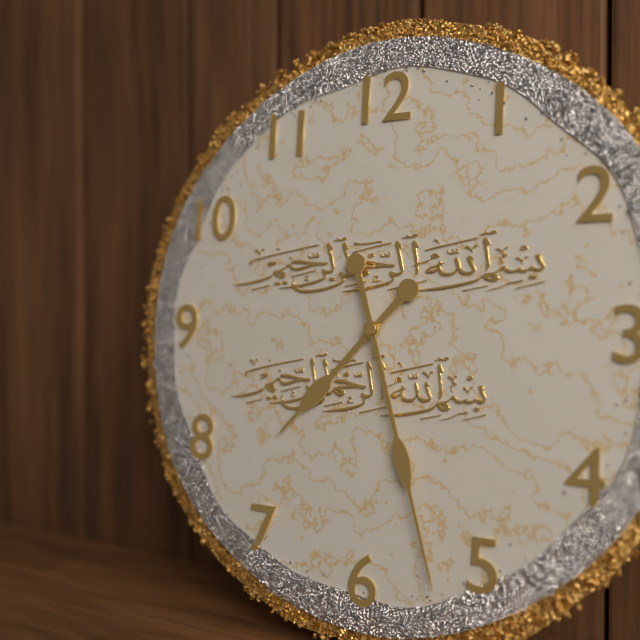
7:27
